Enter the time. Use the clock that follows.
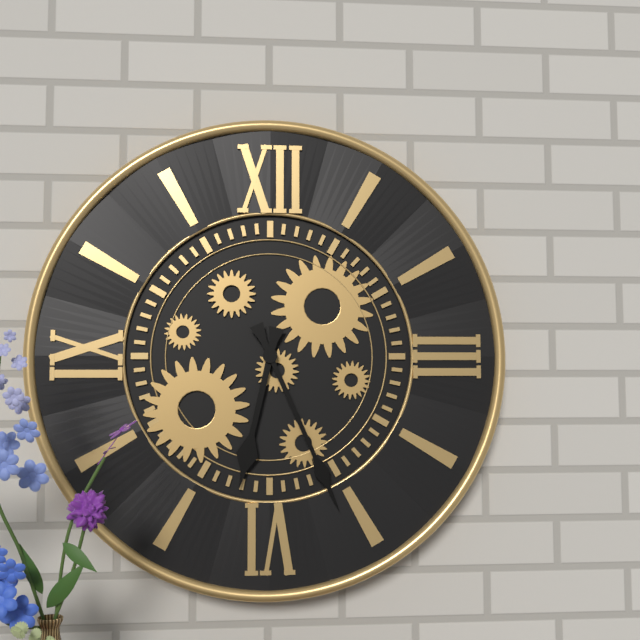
6:26
